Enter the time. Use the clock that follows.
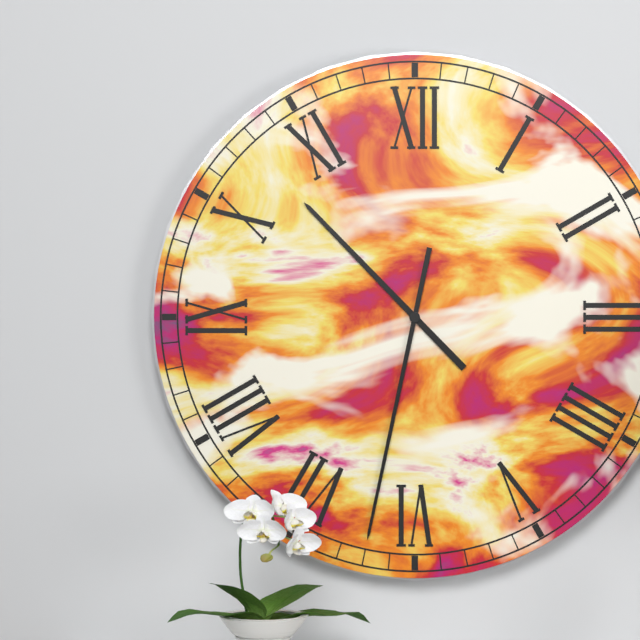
10:32
